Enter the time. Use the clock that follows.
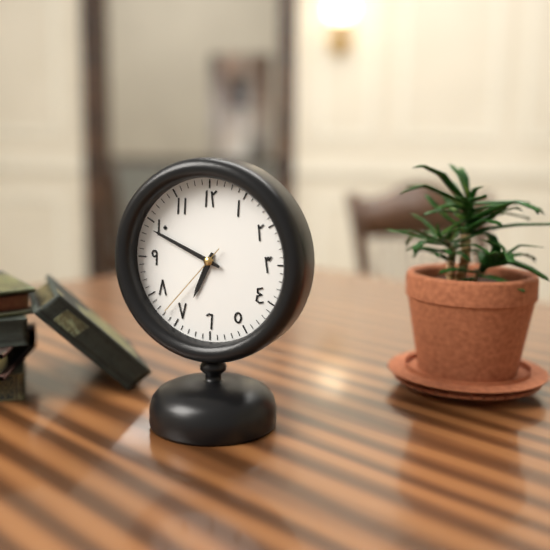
6:49:37
